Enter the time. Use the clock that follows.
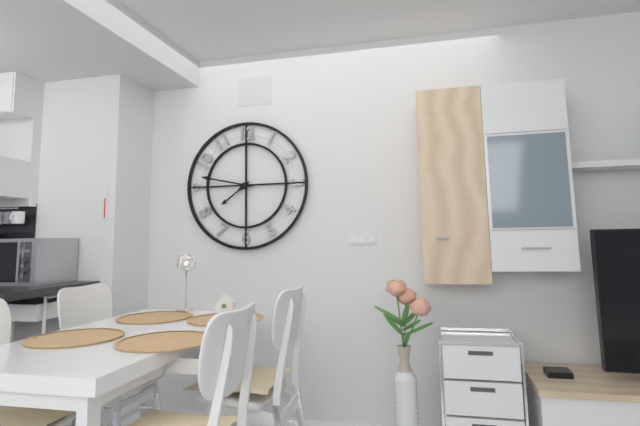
7:47
